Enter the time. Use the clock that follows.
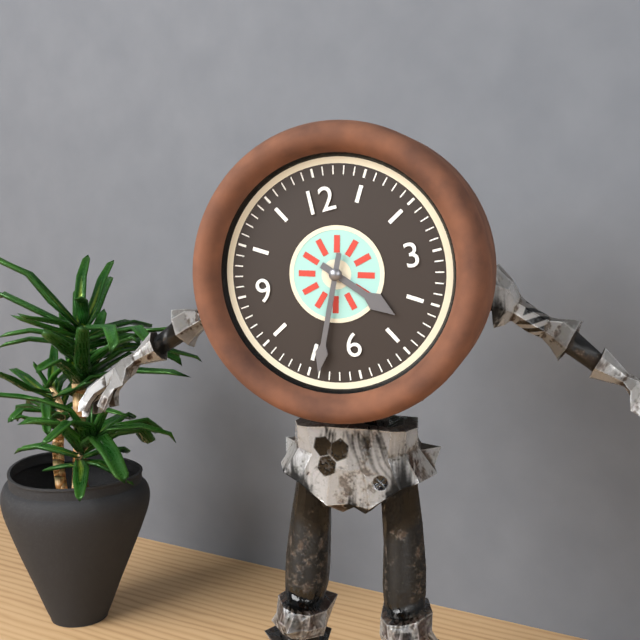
4:34
